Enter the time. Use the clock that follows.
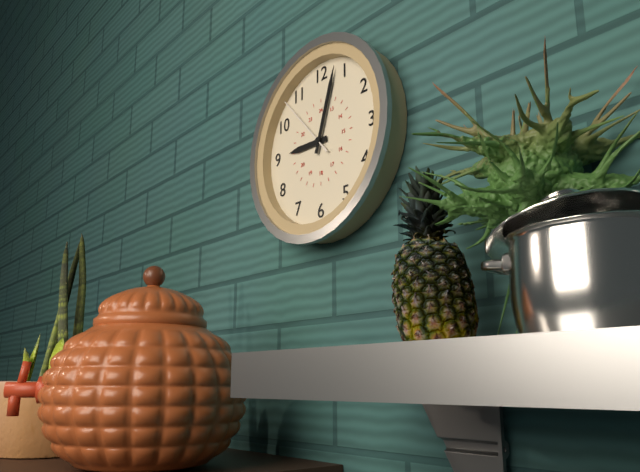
9:03:53
